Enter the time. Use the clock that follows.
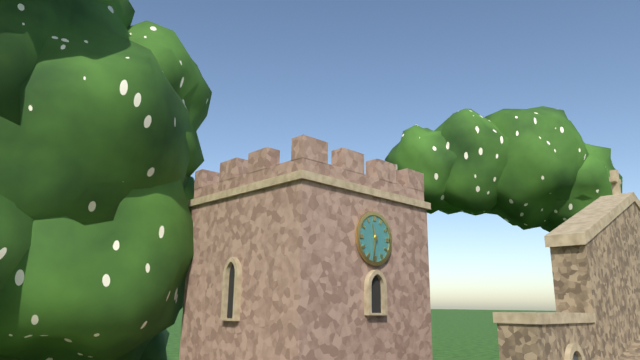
11:32
